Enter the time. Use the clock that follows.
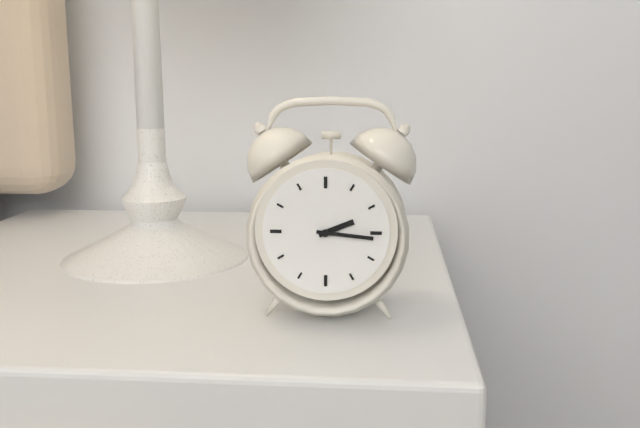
2:16
